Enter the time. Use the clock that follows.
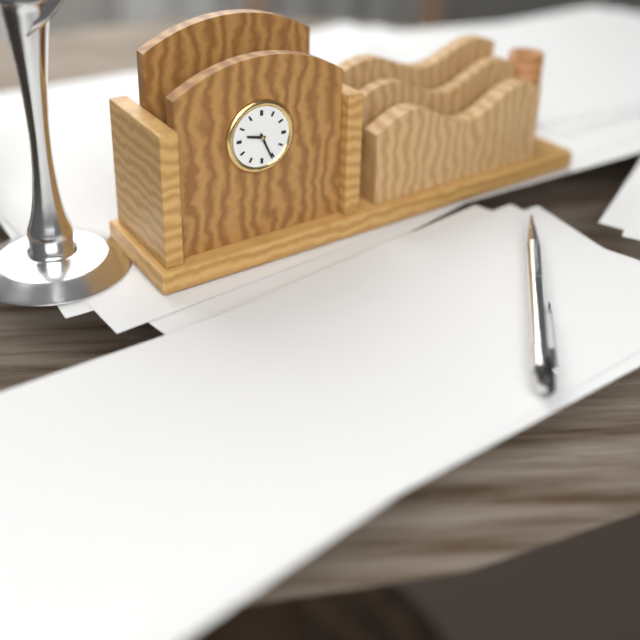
9:26
